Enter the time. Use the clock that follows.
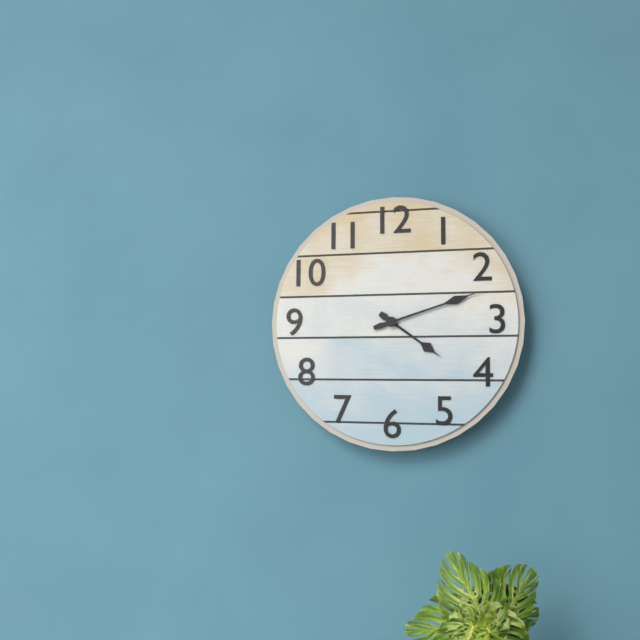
4:12
